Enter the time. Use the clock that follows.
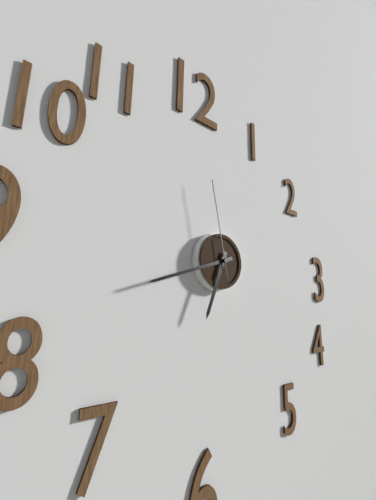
6:42:58
